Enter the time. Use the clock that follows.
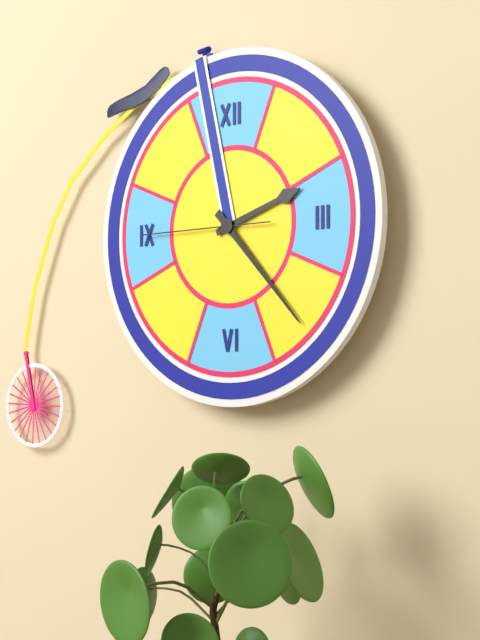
2:23:45
